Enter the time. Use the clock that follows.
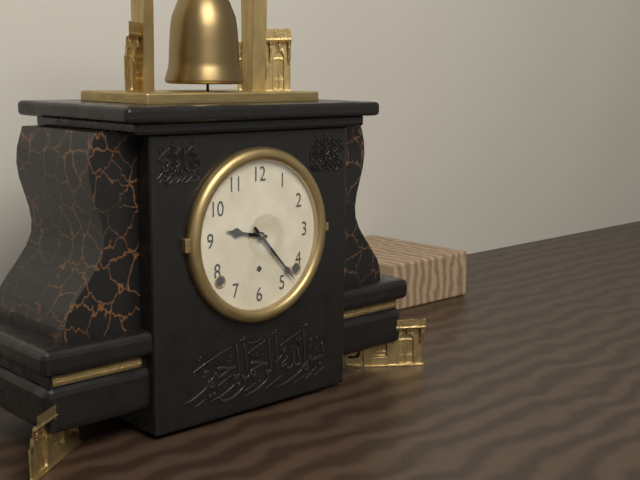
9:23
